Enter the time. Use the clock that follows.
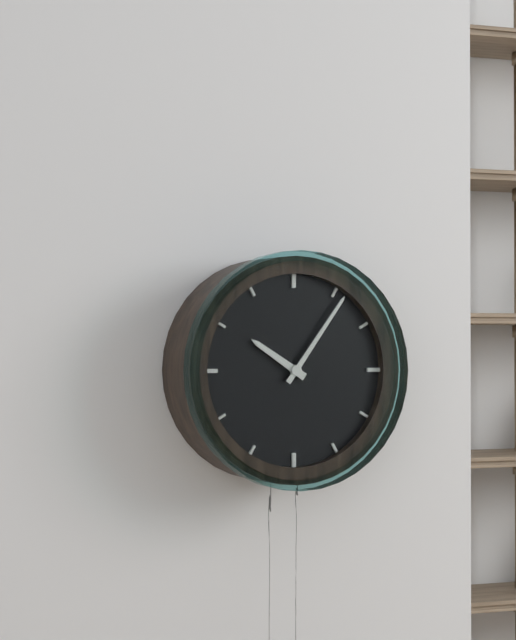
10:06
